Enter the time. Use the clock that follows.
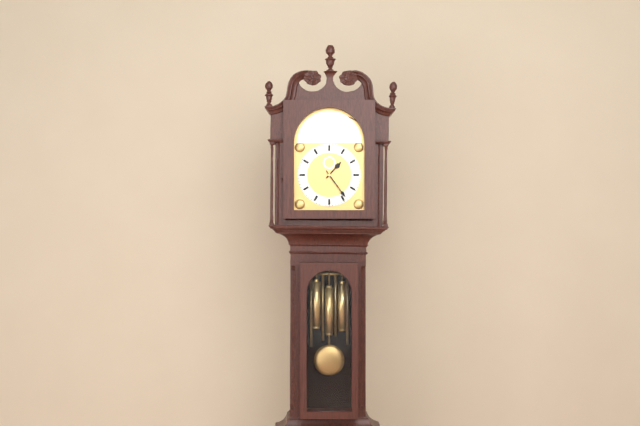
1:24
